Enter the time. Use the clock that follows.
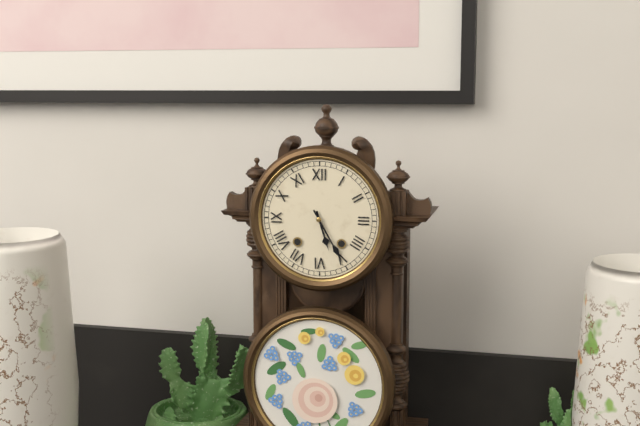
5:25
